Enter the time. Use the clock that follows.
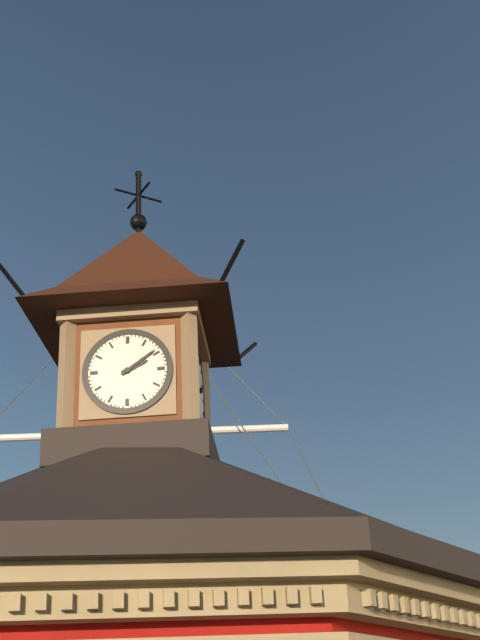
2:09
